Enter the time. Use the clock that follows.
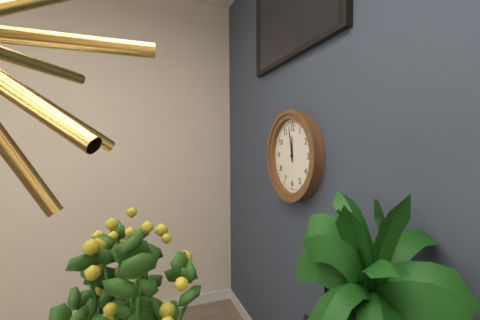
11:58
